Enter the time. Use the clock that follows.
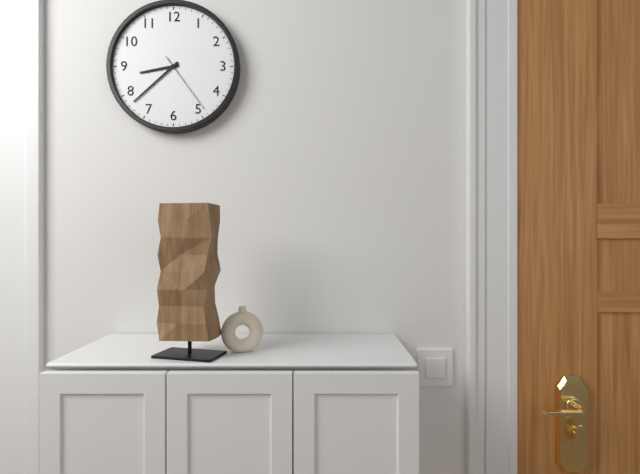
8:38:24
